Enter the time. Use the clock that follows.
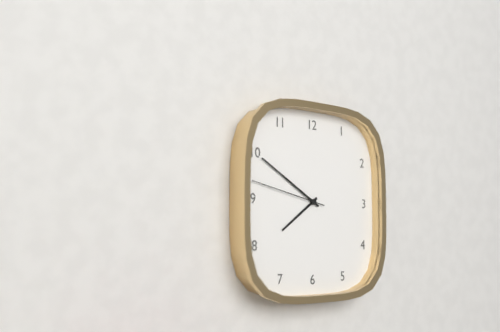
7:50:47
